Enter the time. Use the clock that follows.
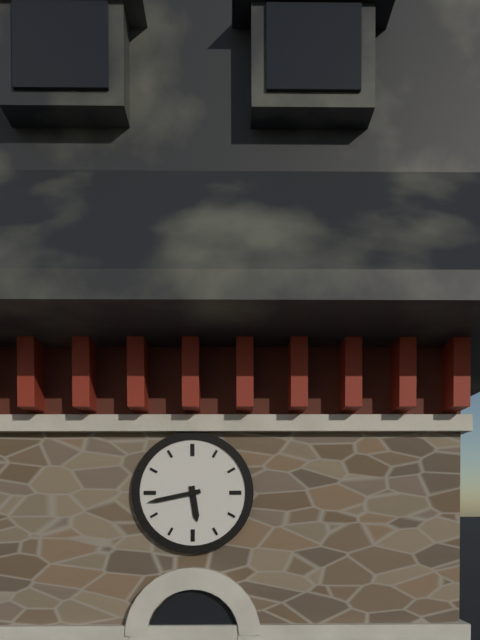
5:43
